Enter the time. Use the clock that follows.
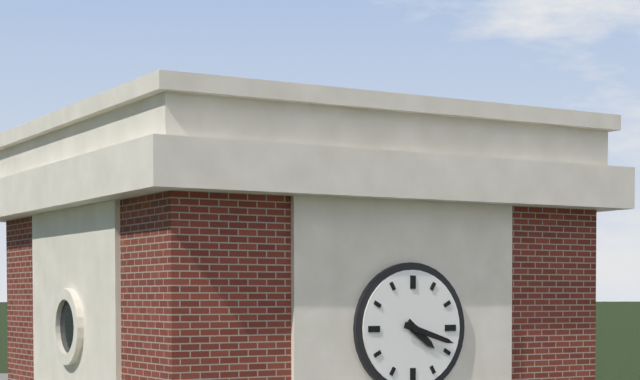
4:18
